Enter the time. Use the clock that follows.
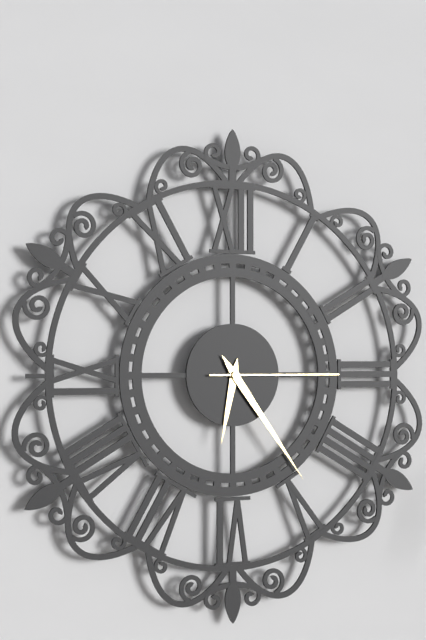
6:24:15
